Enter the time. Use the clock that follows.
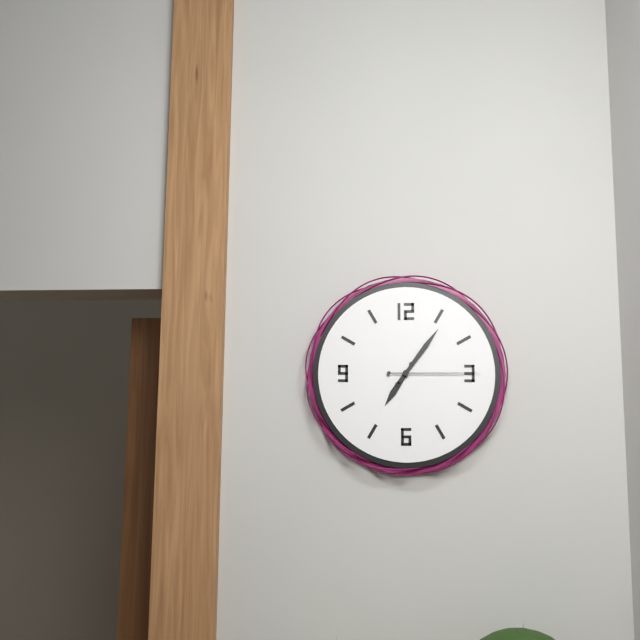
7:06:15
